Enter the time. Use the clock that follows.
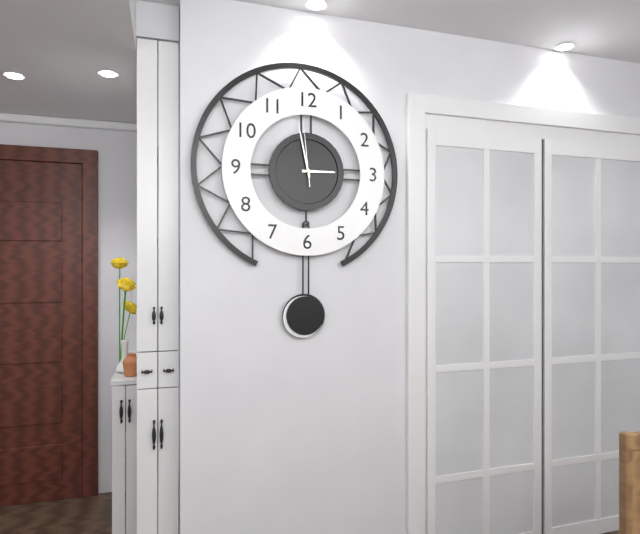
2:58:59
